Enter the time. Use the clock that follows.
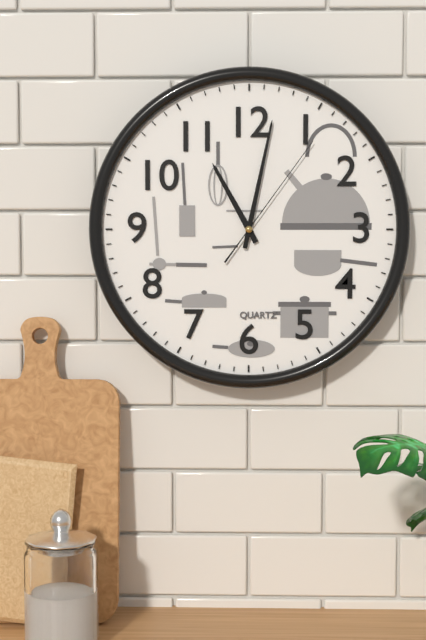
11:02:06
